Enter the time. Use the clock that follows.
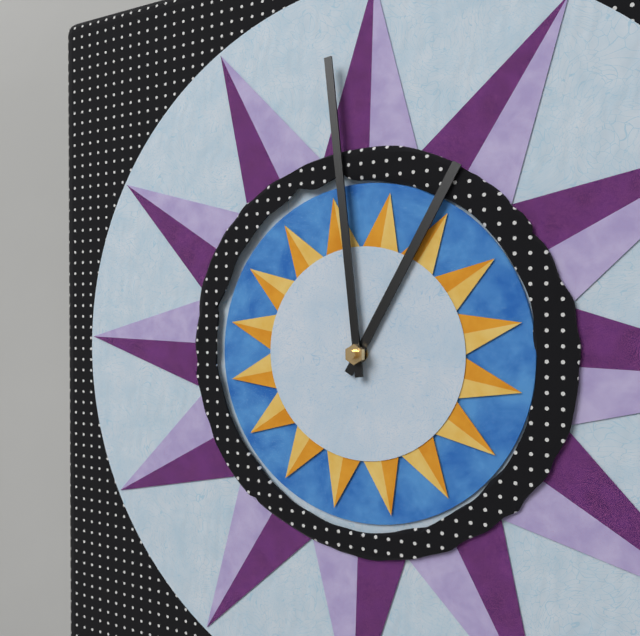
12:59
